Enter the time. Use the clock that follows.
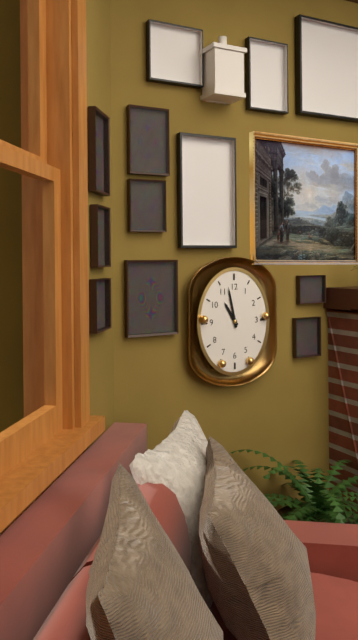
10:58
